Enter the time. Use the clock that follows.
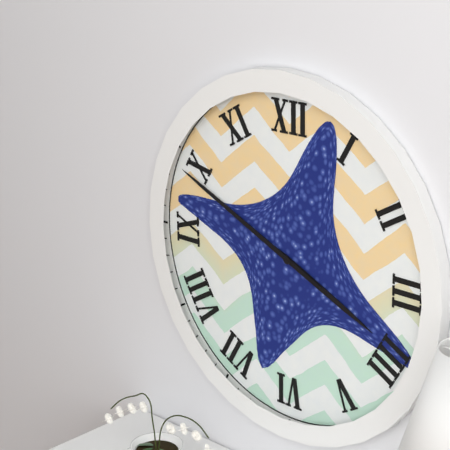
3:49
